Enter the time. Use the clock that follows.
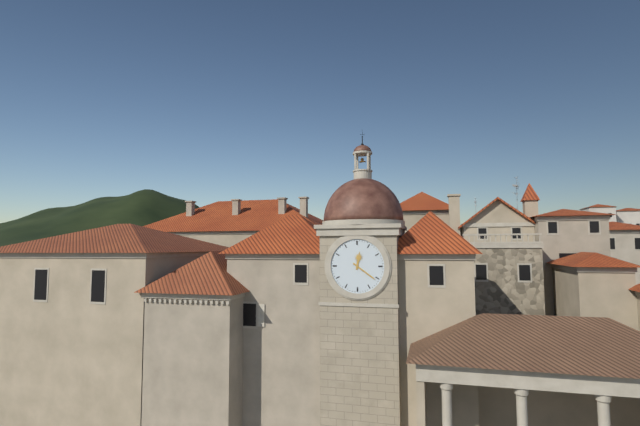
12:21
